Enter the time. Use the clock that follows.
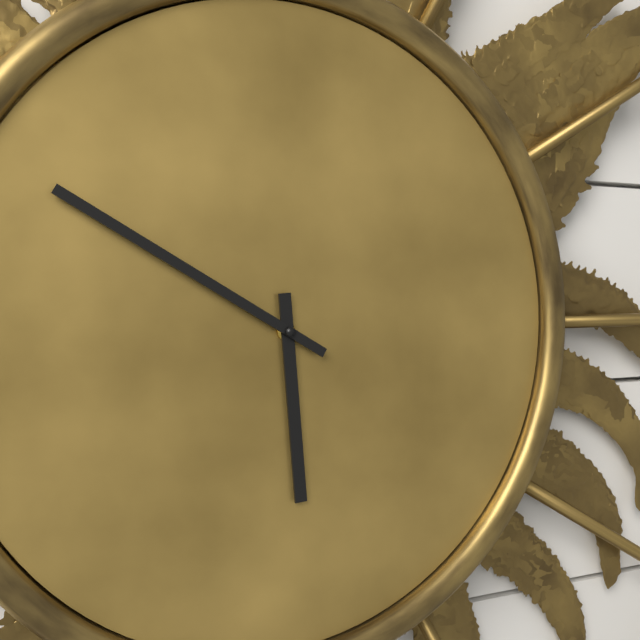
5:50
